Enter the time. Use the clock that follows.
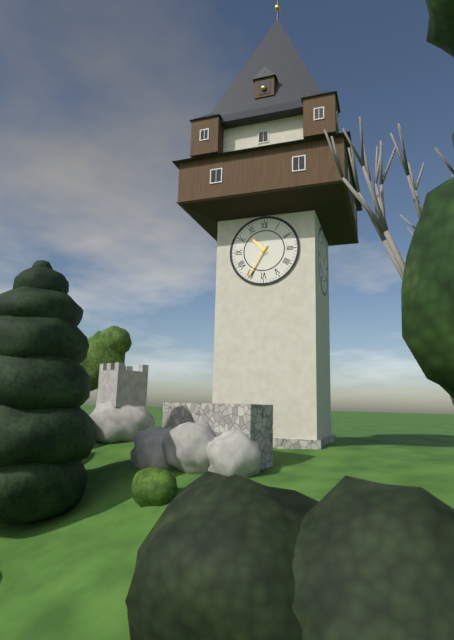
10:35
